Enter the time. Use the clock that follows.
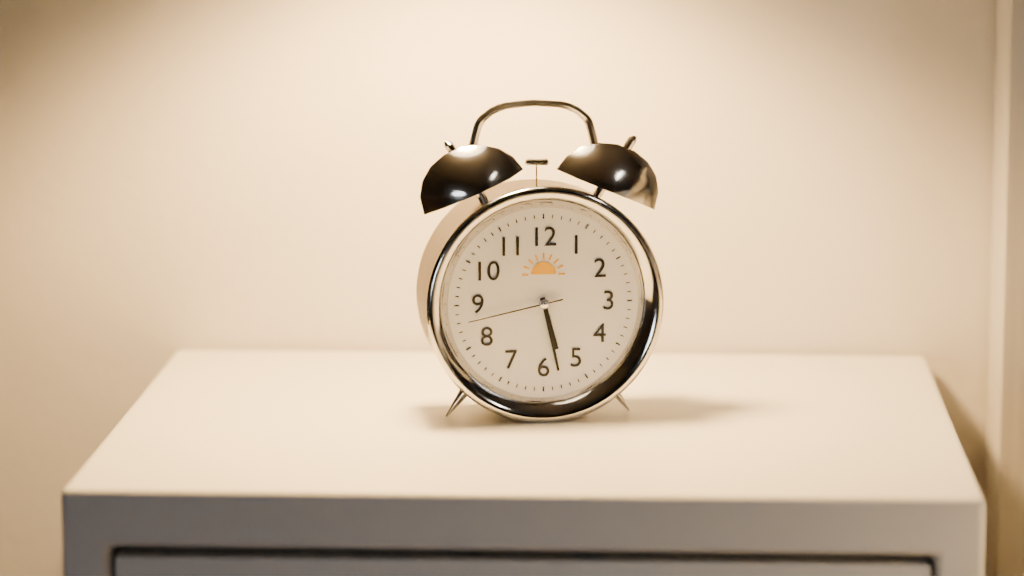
5:28:43
